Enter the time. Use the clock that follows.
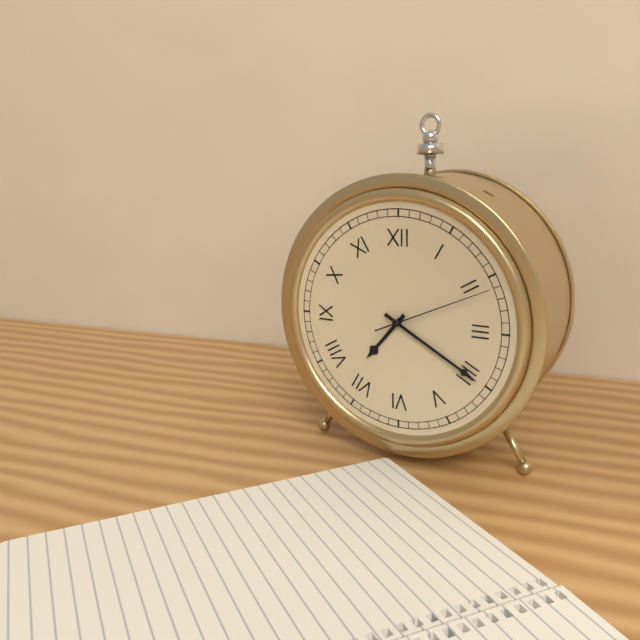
7:20:11
